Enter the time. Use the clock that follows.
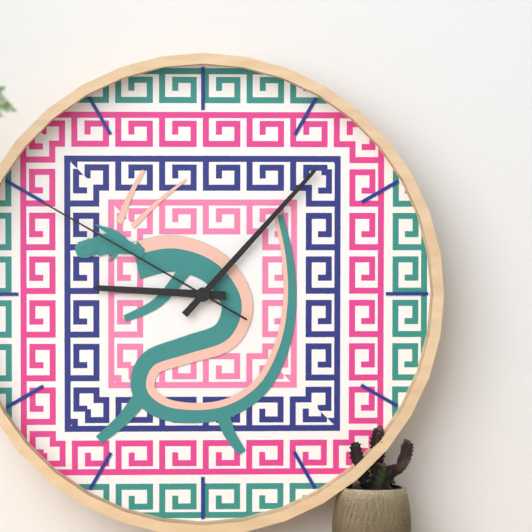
9:07:50
